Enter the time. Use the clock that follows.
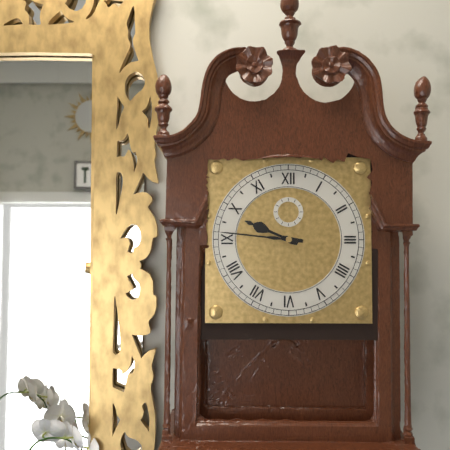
9:46
